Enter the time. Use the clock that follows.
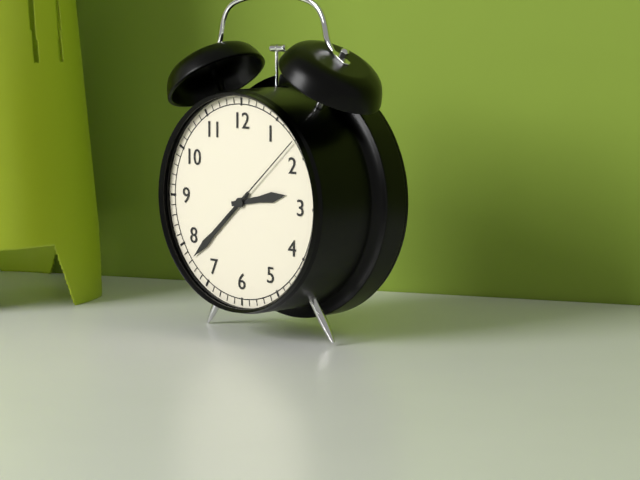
2:38:08
